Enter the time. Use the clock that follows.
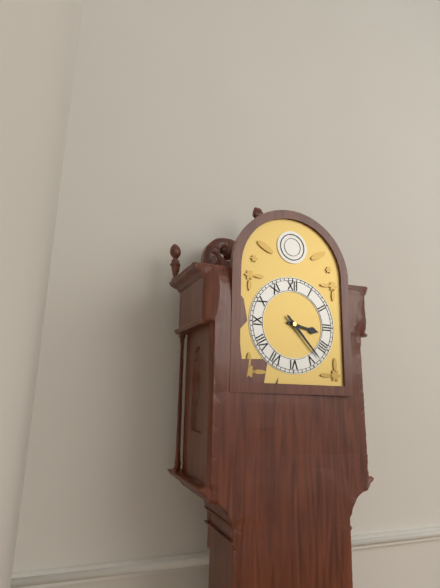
3:23
